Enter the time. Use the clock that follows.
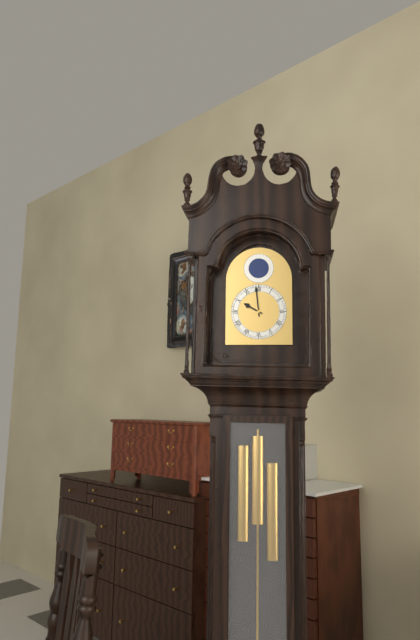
9:59
